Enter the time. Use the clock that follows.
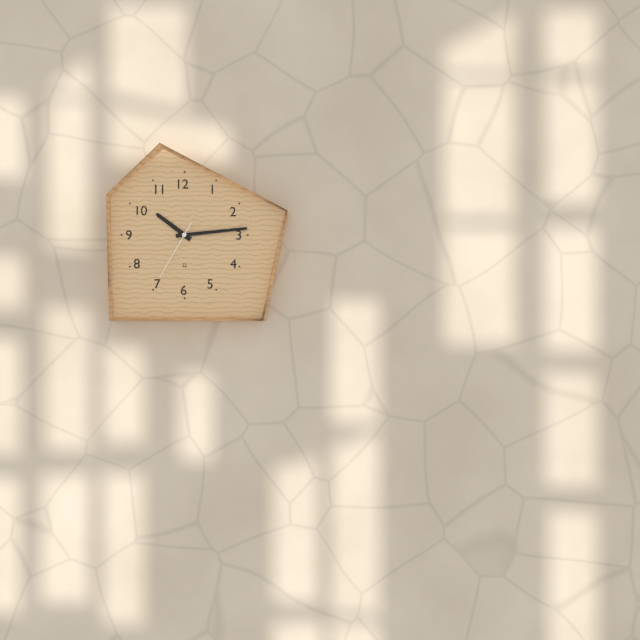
10:14:35
